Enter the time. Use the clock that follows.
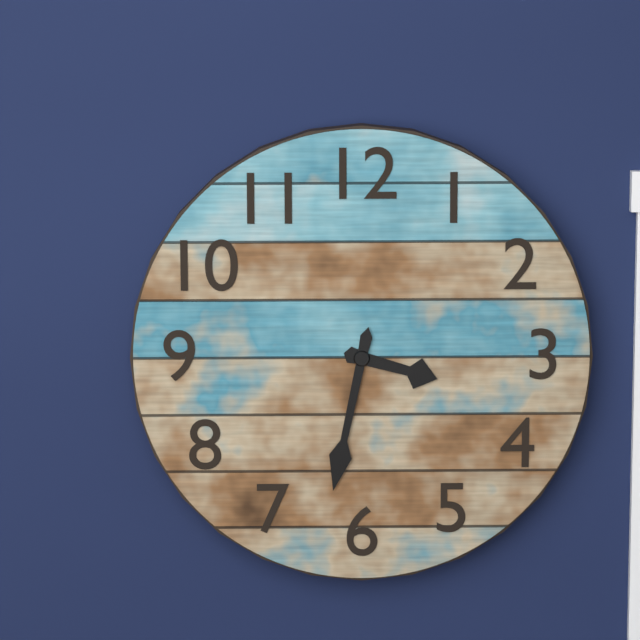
3:32
